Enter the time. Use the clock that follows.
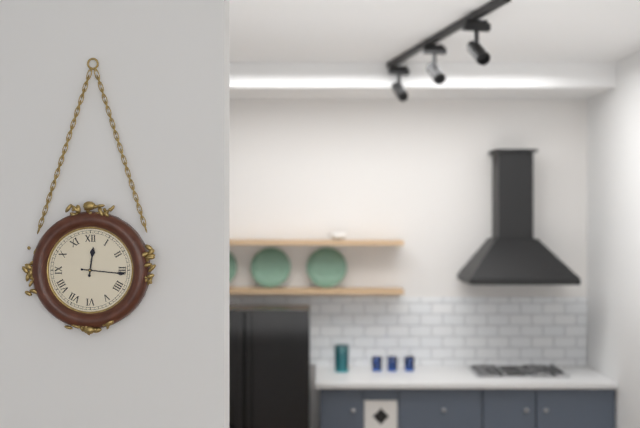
12:16
